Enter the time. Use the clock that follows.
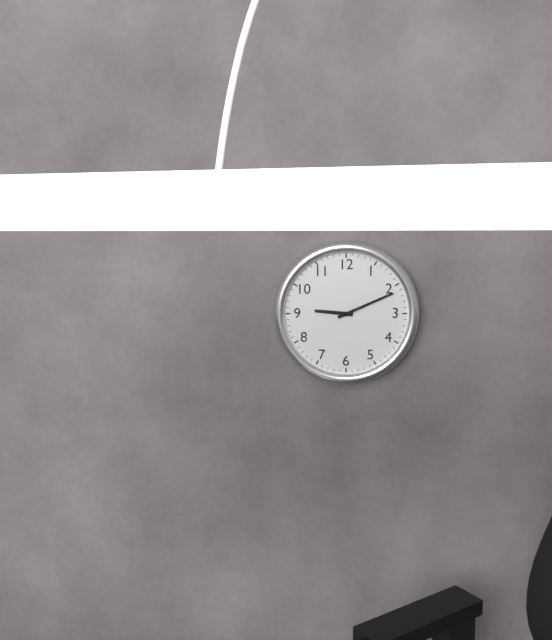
9:11
